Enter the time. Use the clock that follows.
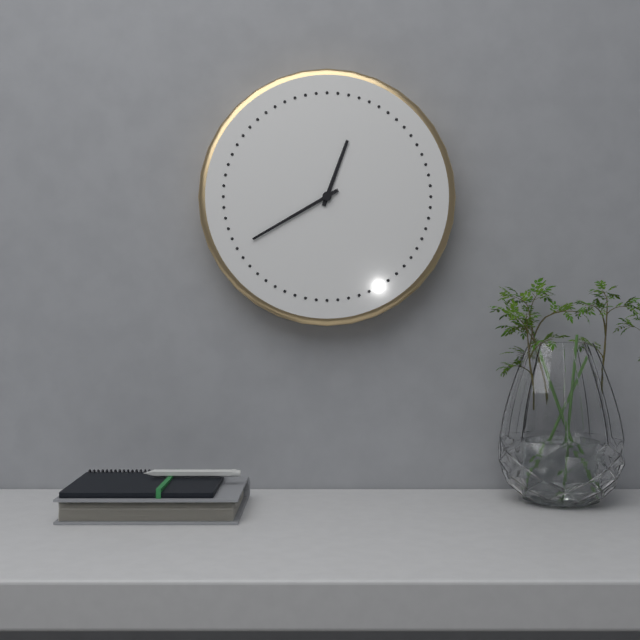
12:40
